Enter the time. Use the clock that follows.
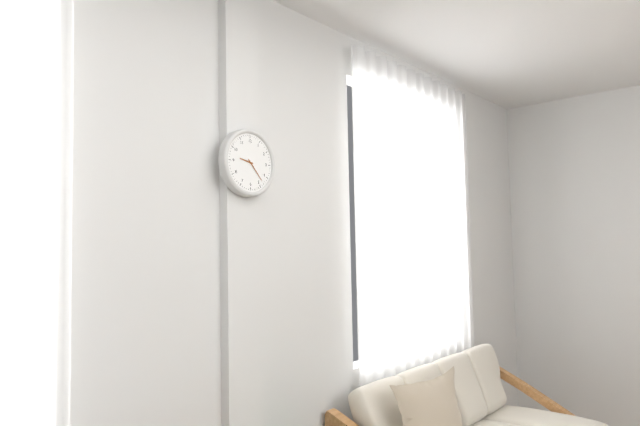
9:23
